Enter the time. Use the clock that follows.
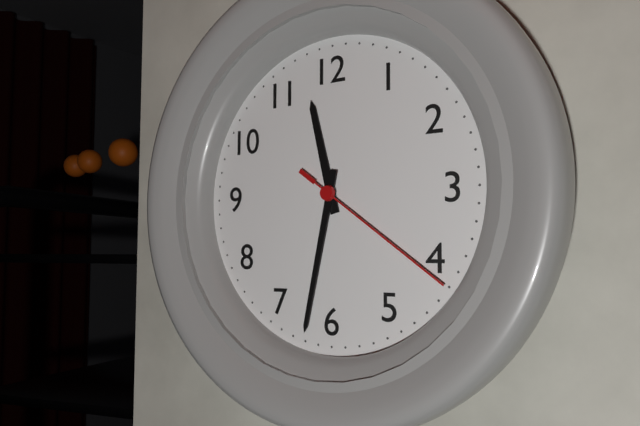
11:32:21
